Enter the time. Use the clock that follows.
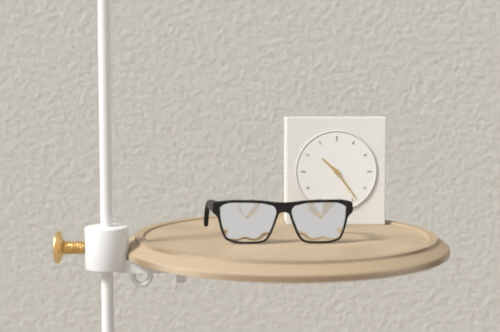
10:24
